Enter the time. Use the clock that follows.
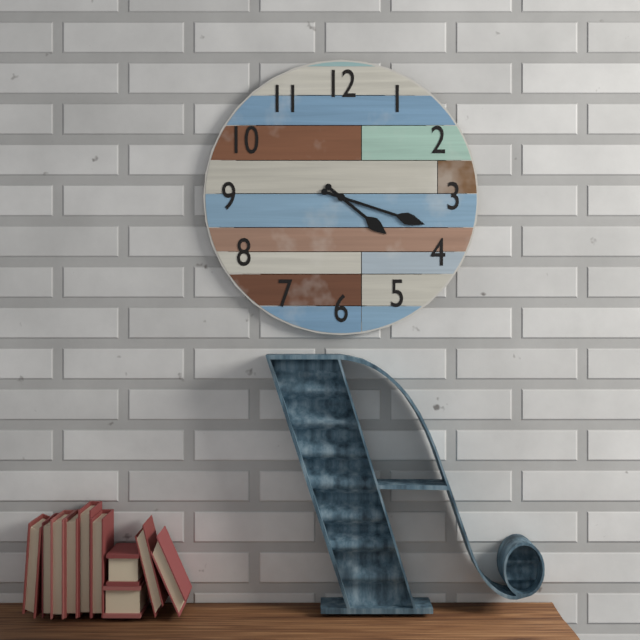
4:18
